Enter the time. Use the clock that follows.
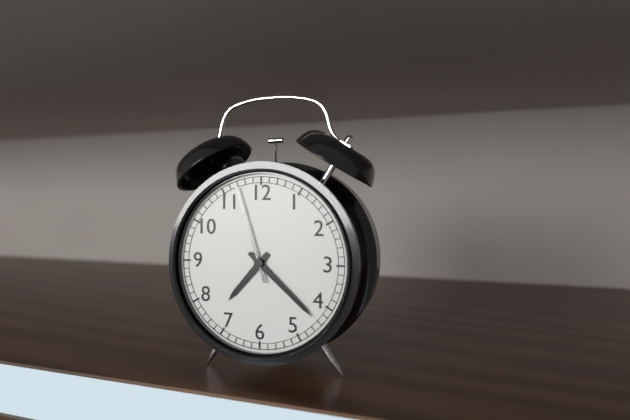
7:22:57
